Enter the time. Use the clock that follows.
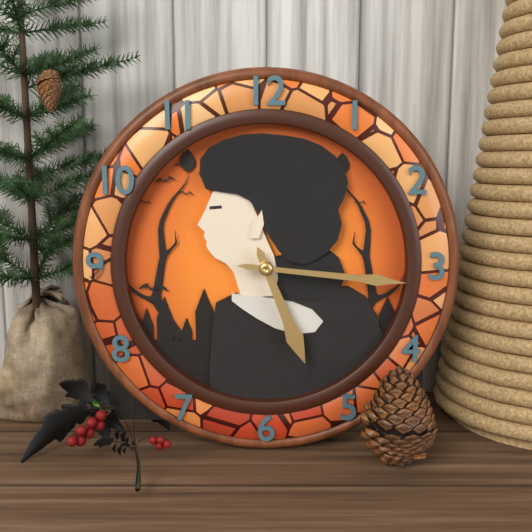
5:16
